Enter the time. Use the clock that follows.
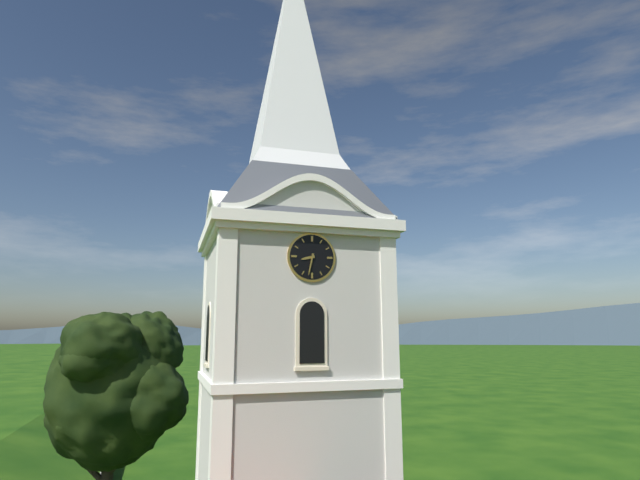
8:32
